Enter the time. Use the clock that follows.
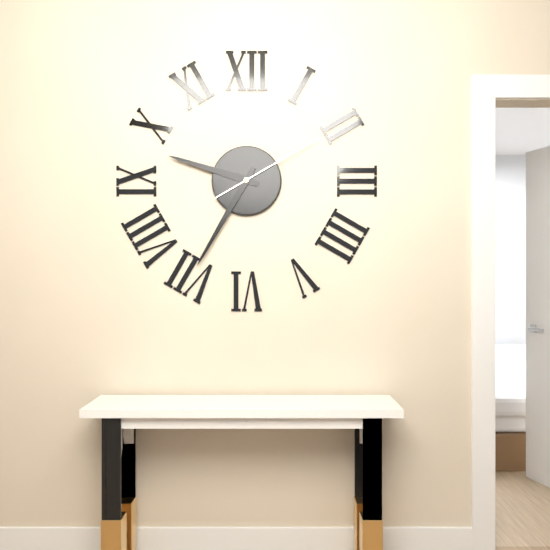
9:35:10
